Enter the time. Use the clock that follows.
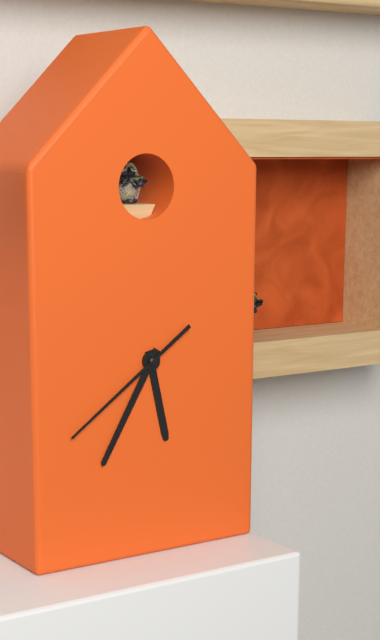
5:35:39
